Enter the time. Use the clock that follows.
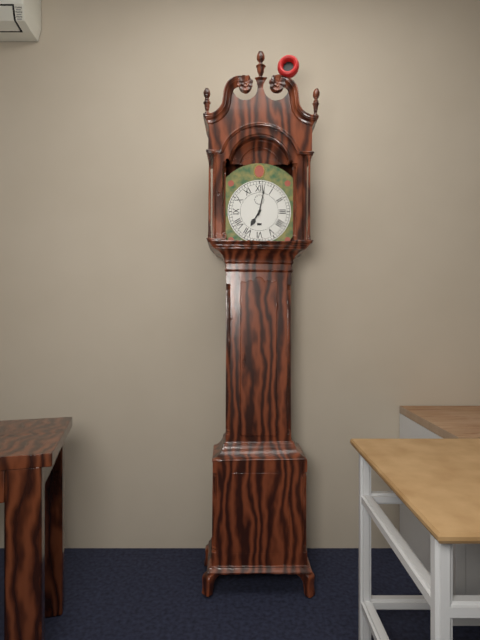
7:02
